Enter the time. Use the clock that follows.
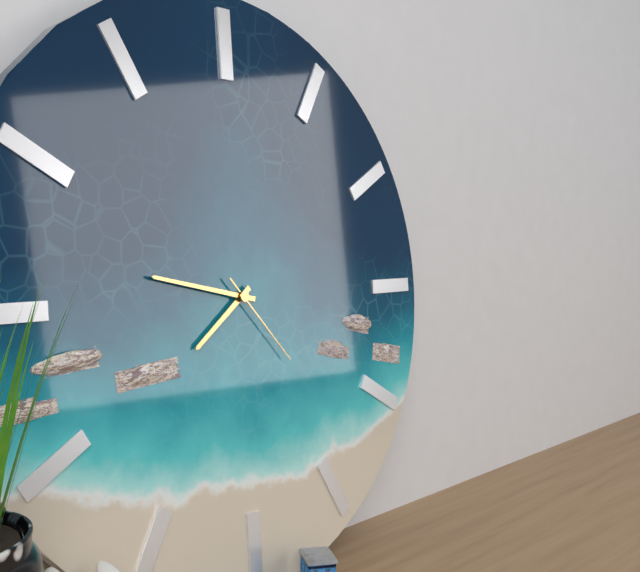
7:47:23
